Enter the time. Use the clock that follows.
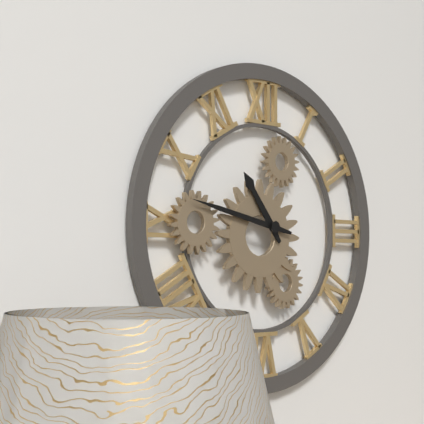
10:47
